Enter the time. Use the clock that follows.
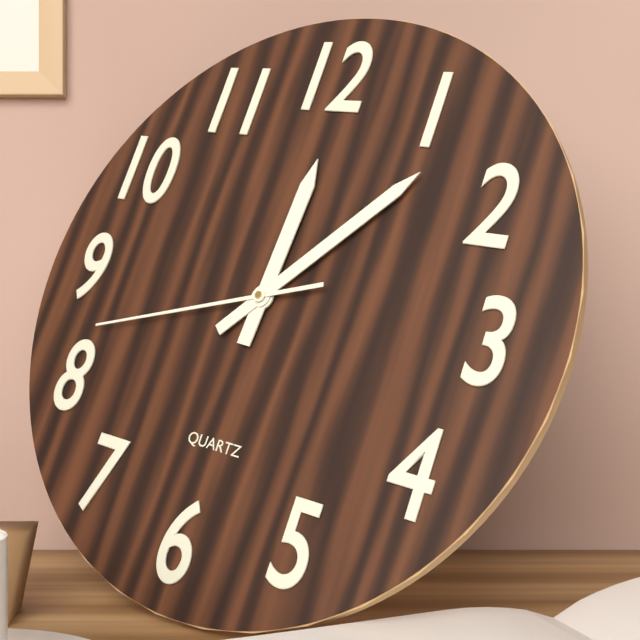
12:07:42
